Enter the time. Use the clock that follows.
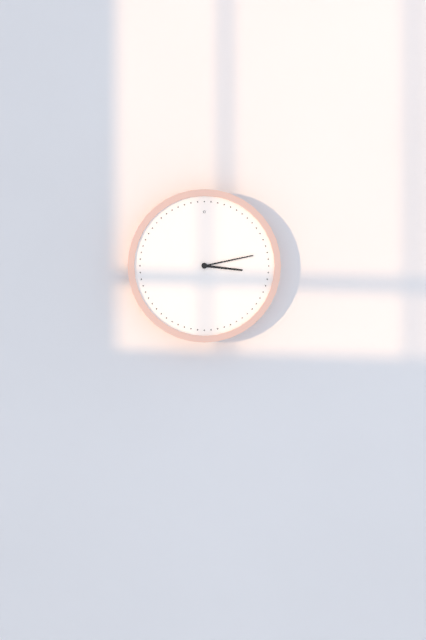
3:13
